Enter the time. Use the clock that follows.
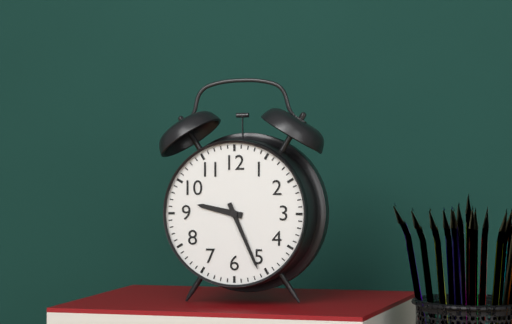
9:26
